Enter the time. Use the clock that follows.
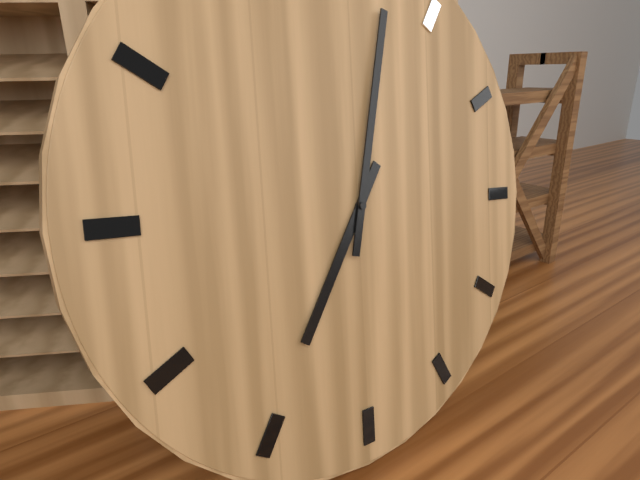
7:02
